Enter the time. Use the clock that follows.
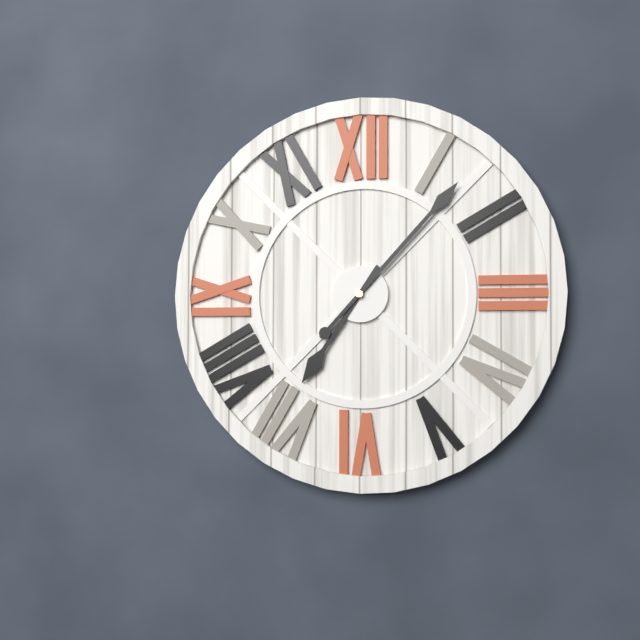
7:07
